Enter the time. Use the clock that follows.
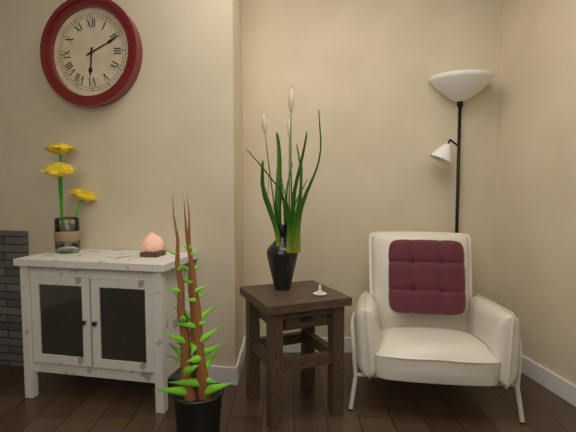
6:11
